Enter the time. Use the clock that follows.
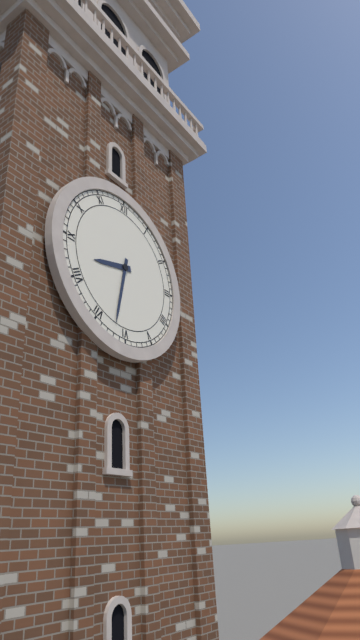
8:32
